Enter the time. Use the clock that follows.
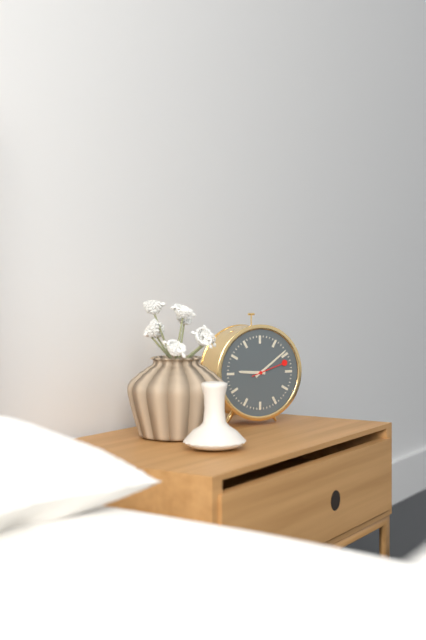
9:09
